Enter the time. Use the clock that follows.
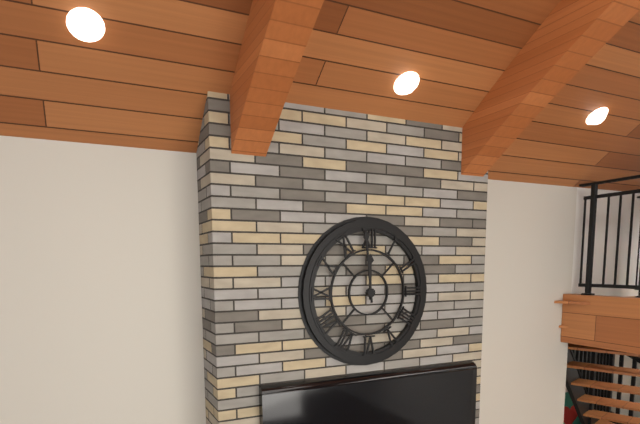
11:59
